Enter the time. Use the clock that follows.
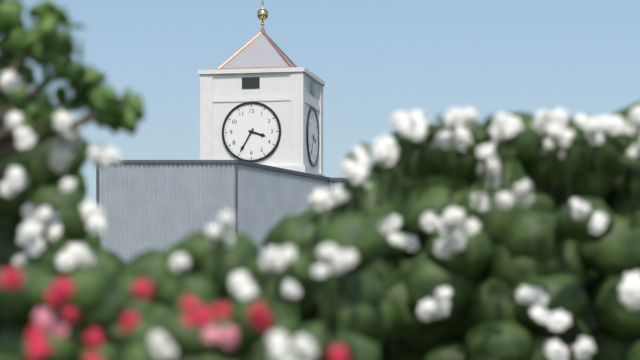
3:35
